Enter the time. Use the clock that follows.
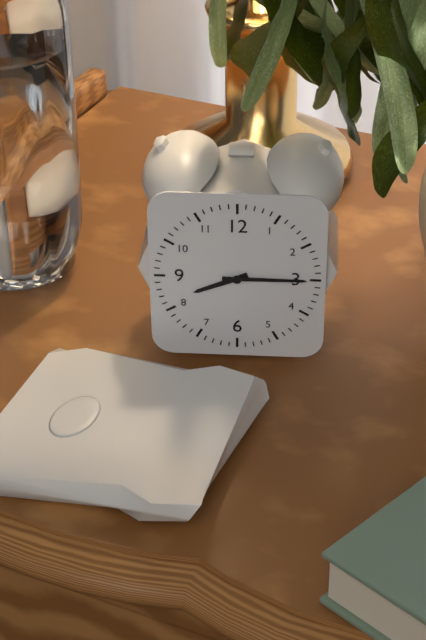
8:15
